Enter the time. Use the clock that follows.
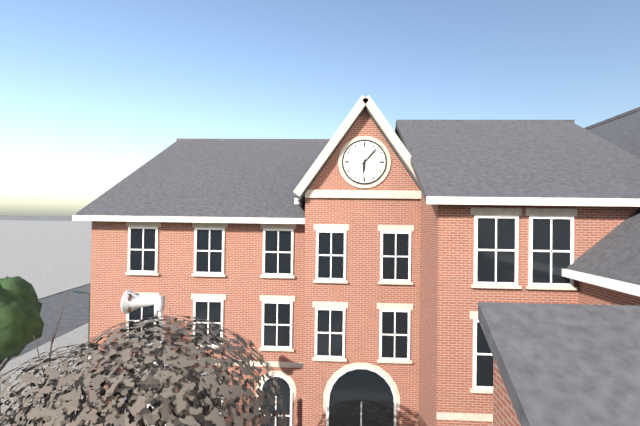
6:07
